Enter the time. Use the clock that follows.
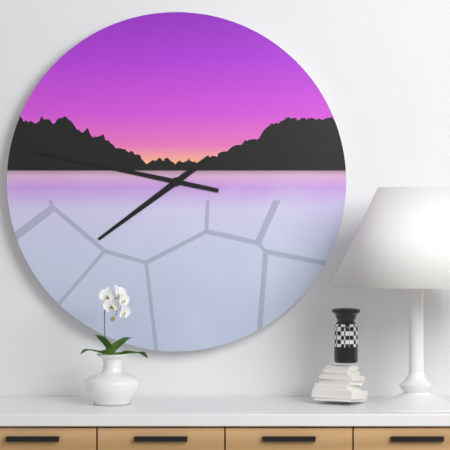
7:47
